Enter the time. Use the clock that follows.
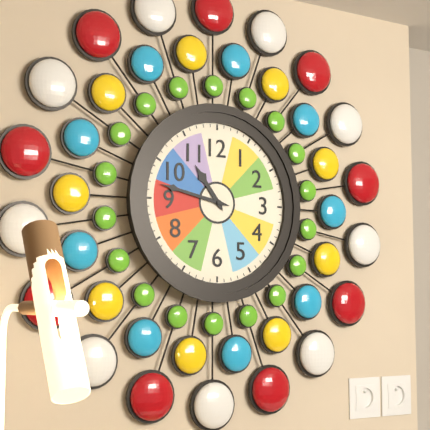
10:47
